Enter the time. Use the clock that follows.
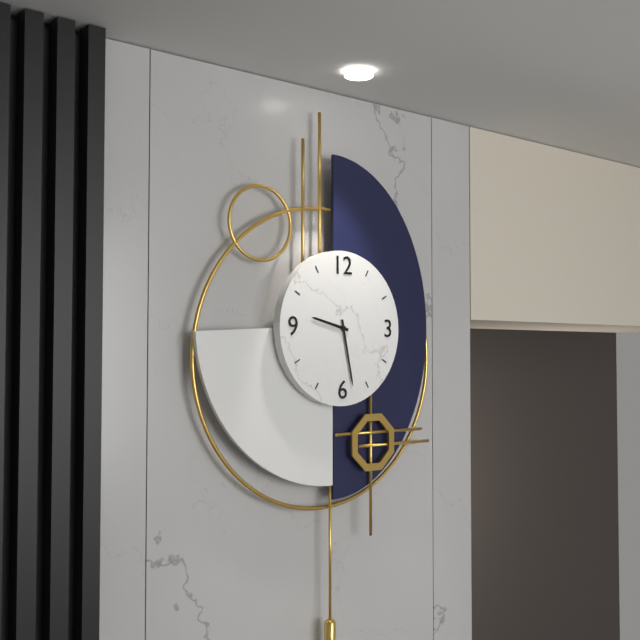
9:28
